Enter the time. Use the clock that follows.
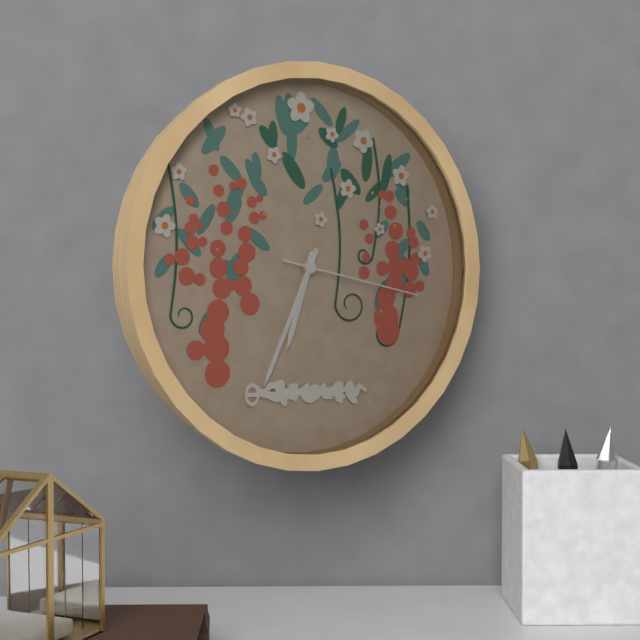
6:34:17
